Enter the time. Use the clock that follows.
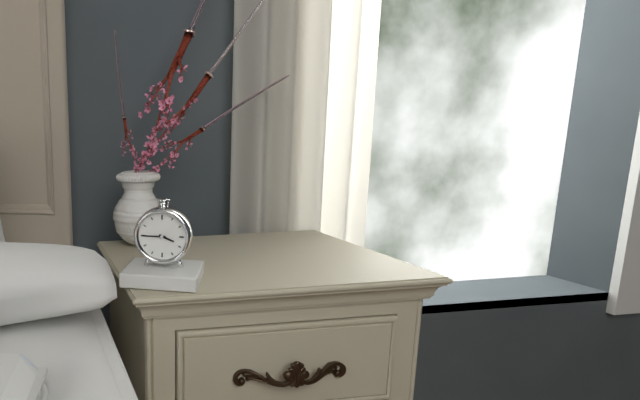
3:45
